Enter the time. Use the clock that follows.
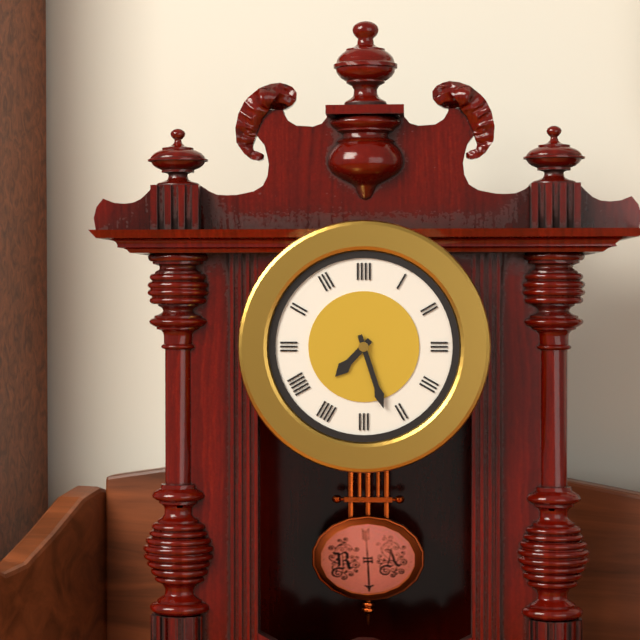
7:27
